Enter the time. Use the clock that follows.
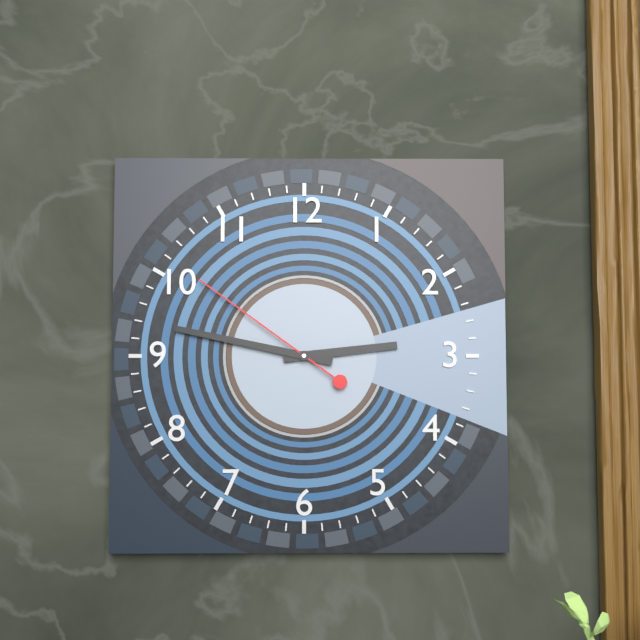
2:47:51
